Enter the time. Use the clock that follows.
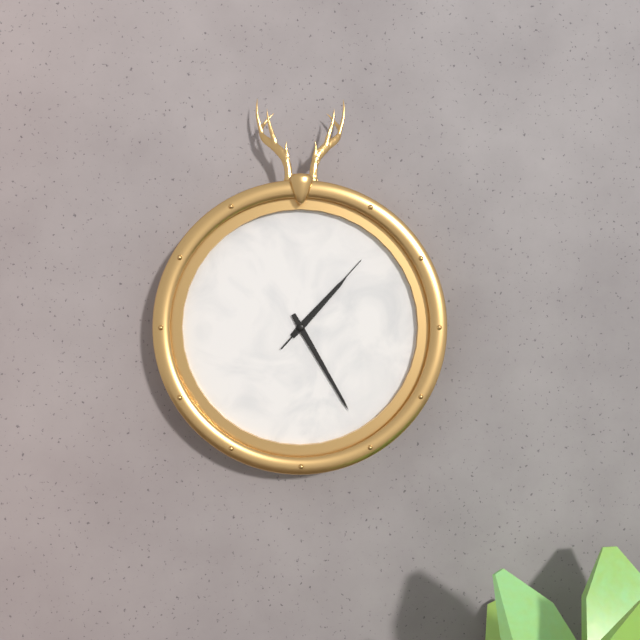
1:25:07
